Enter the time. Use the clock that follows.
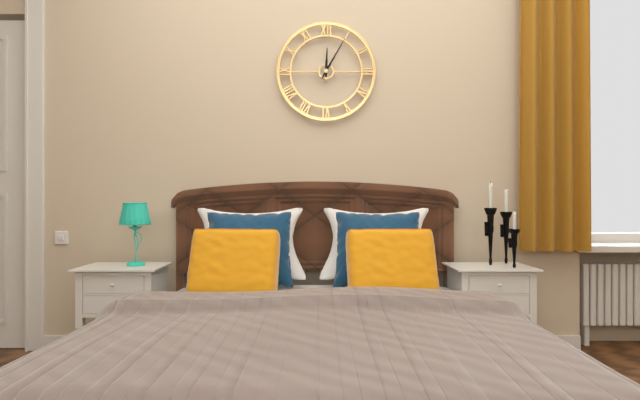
12:05
